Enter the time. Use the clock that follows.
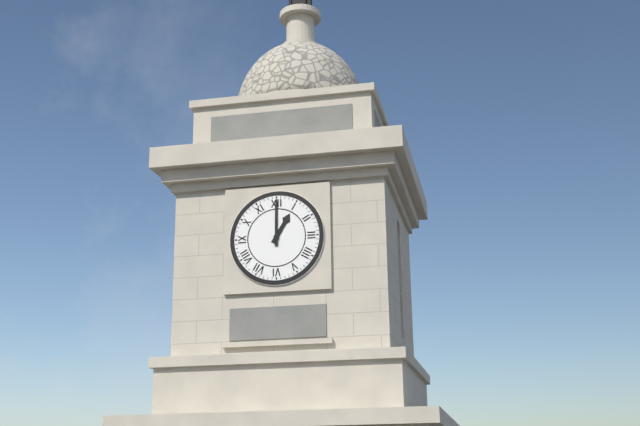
1:00
